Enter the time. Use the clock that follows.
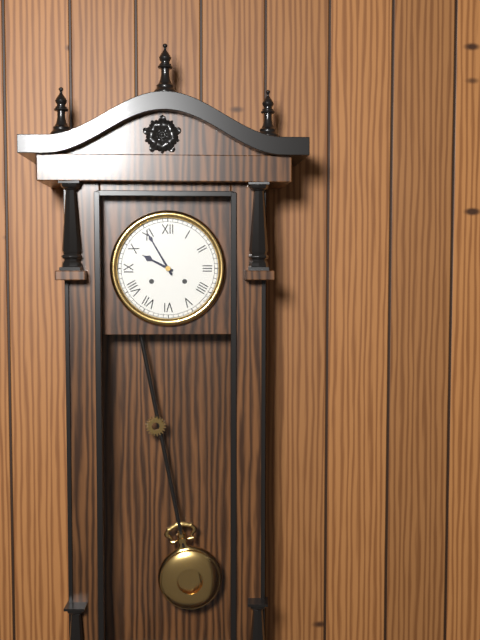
9:55
